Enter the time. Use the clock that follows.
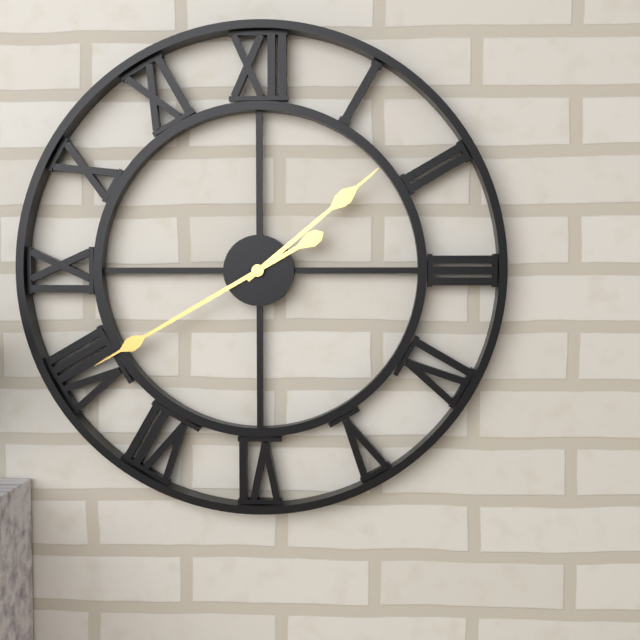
1:40
